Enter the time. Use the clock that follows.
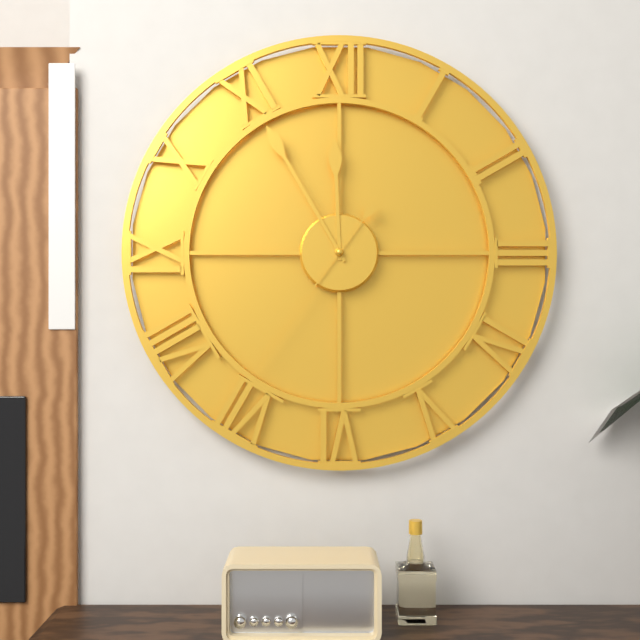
11:55:36
